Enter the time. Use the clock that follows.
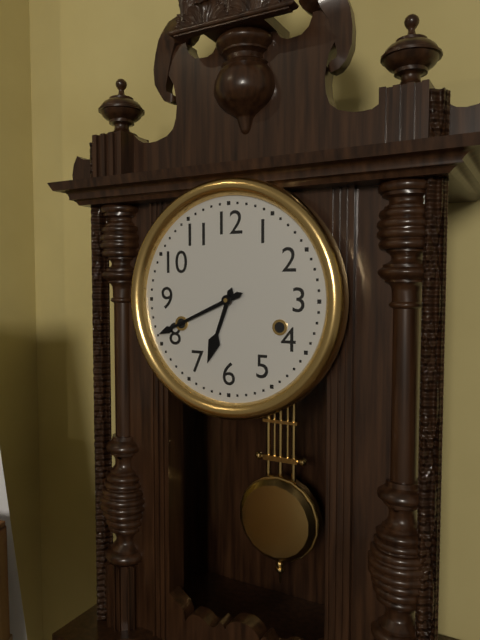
6:41
